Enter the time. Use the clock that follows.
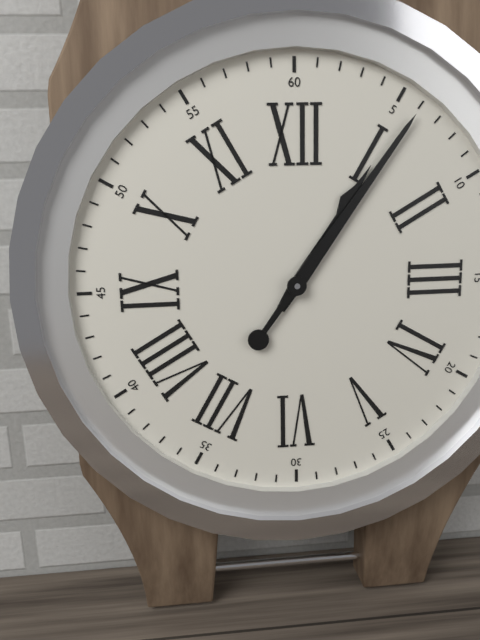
1:06
